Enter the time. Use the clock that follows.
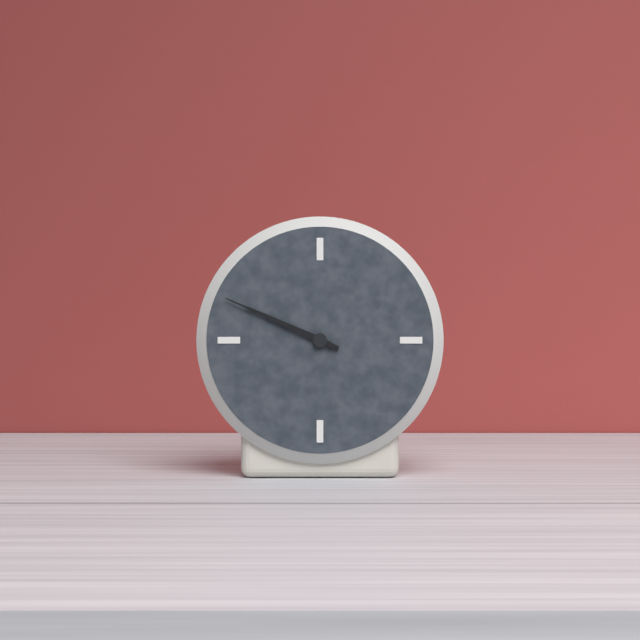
9:49
